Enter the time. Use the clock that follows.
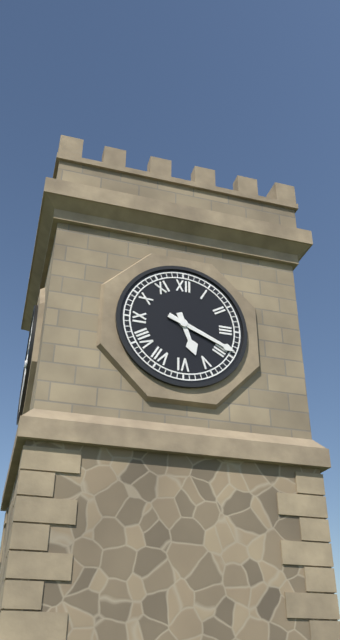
5:19
